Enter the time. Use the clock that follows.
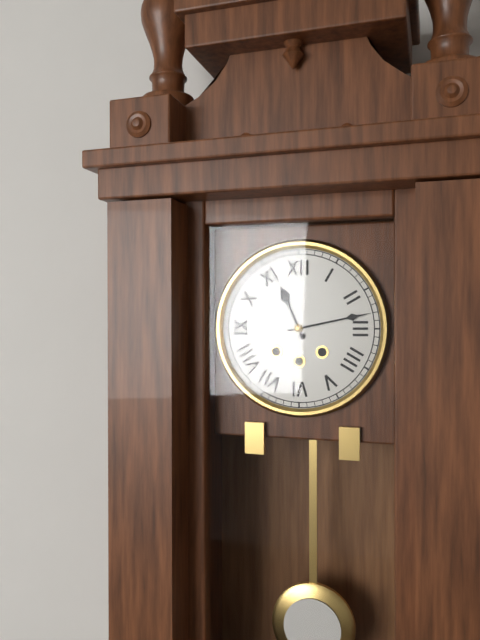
11:13
